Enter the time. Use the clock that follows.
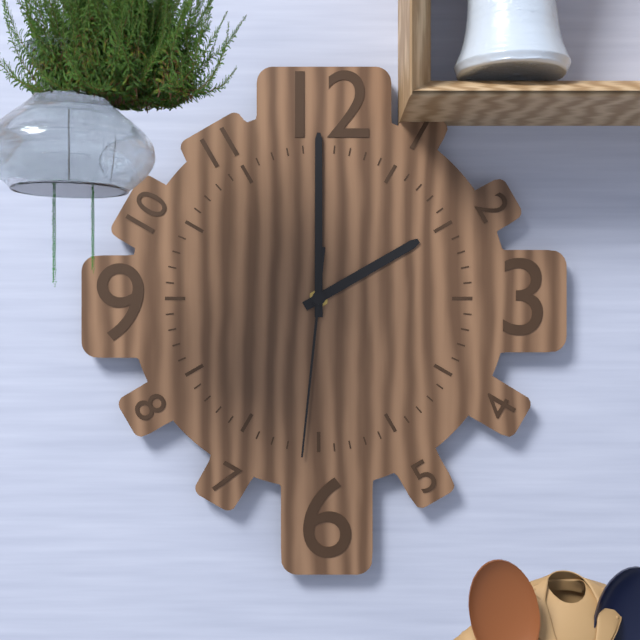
2:00:31
